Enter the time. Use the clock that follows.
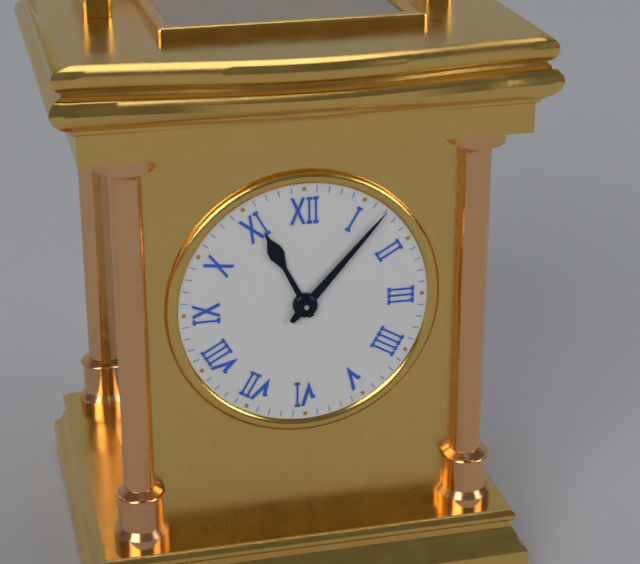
11:07
